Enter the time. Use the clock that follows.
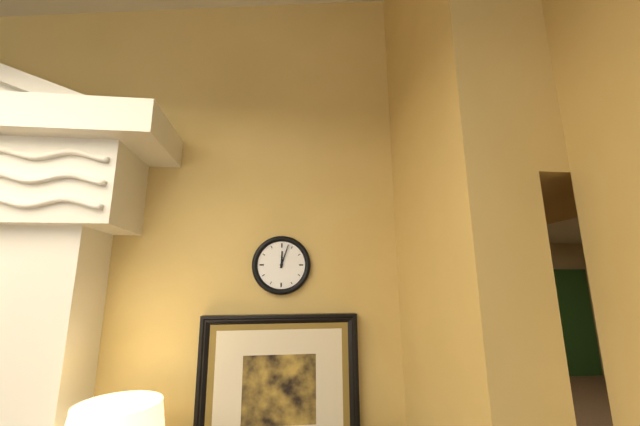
12:03
